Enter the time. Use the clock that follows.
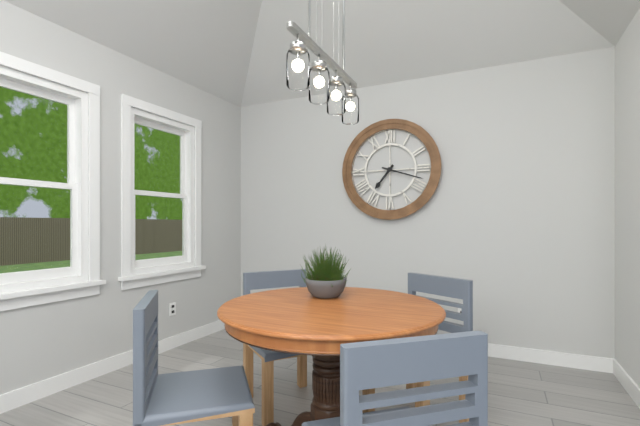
7:18
